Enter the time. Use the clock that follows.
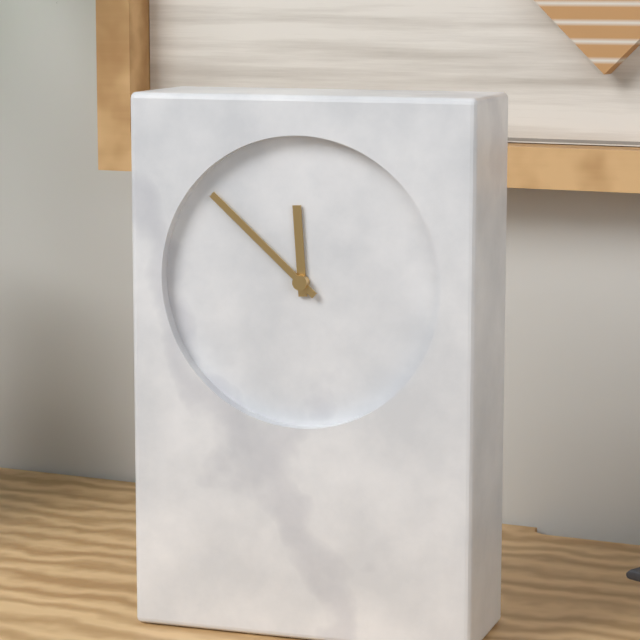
11:52
